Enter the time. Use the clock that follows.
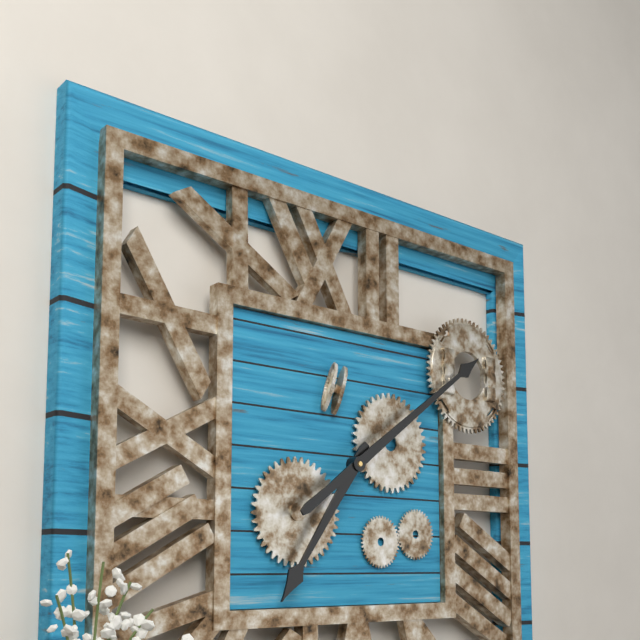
7:09
